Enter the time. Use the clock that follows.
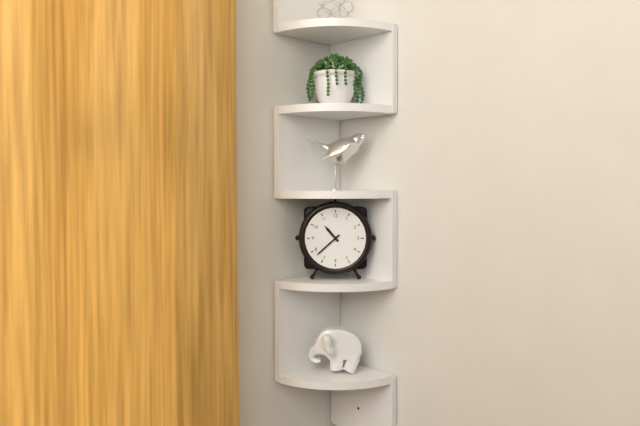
10:38
